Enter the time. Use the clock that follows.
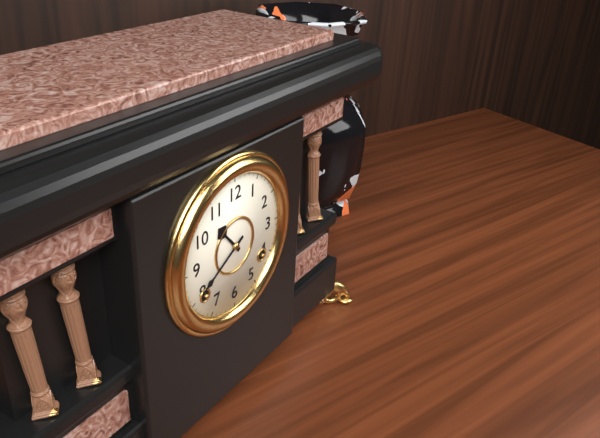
10:40
